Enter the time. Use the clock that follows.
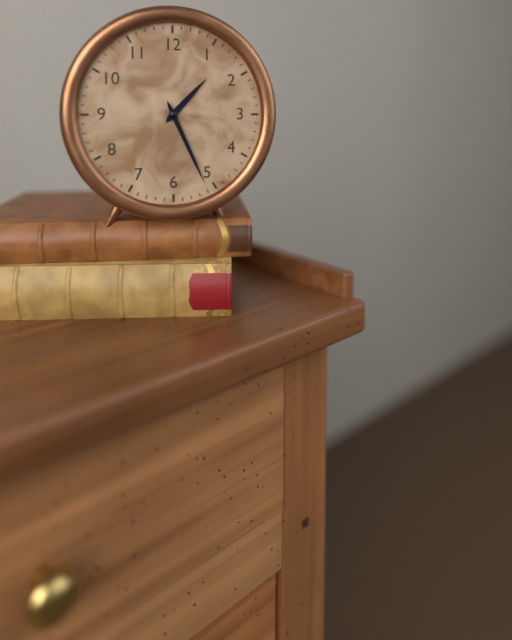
1:26
